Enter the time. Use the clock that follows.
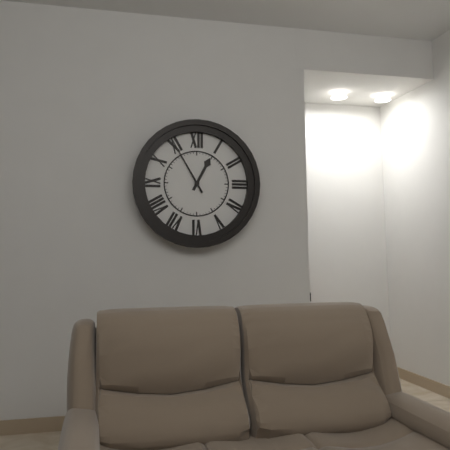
12:55
